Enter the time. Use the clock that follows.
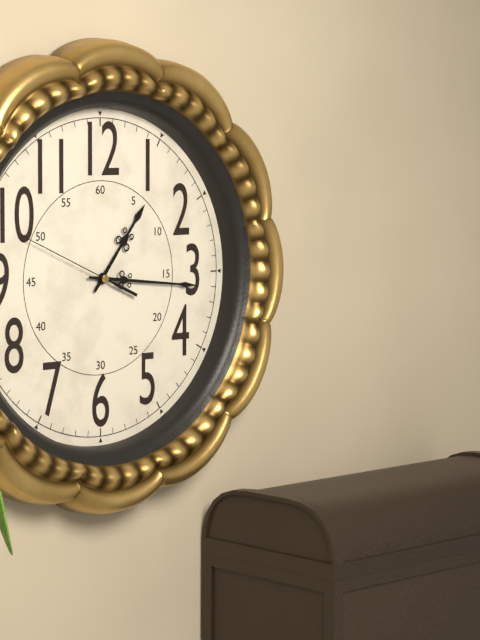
1:16:49
